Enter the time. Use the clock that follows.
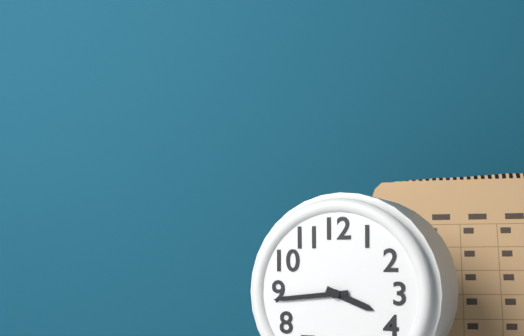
3:44
